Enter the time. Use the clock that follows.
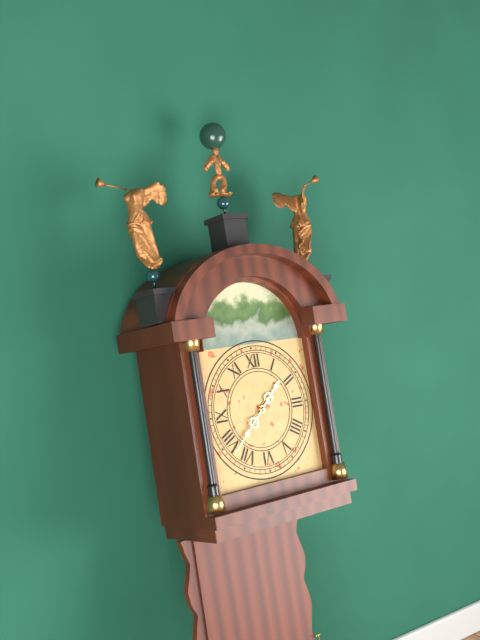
1:38
